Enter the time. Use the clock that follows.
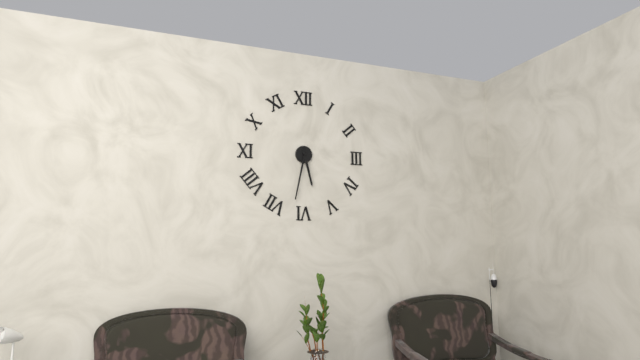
5:32
